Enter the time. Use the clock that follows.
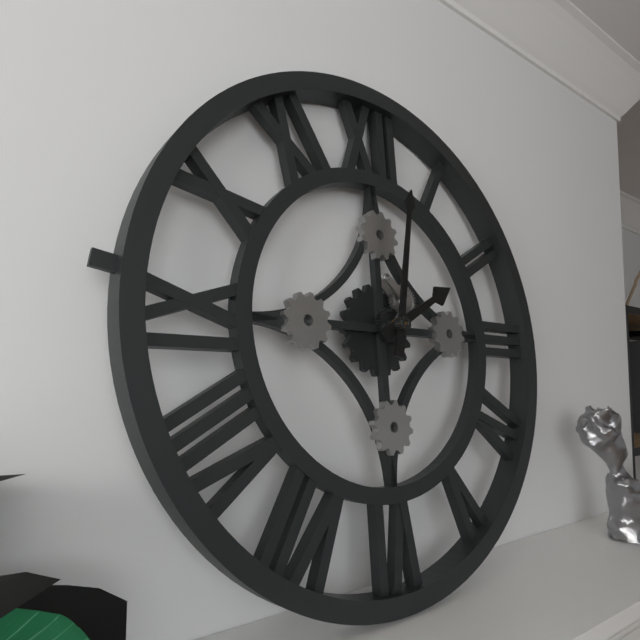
2:02
